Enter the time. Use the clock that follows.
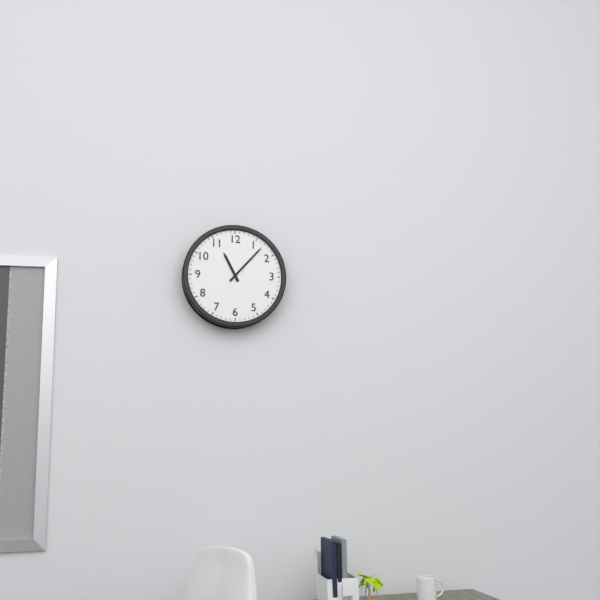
11:07
